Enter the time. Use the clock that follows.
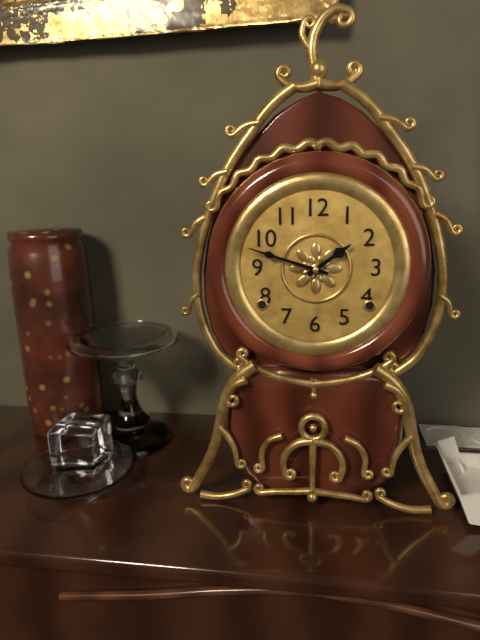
1:48
